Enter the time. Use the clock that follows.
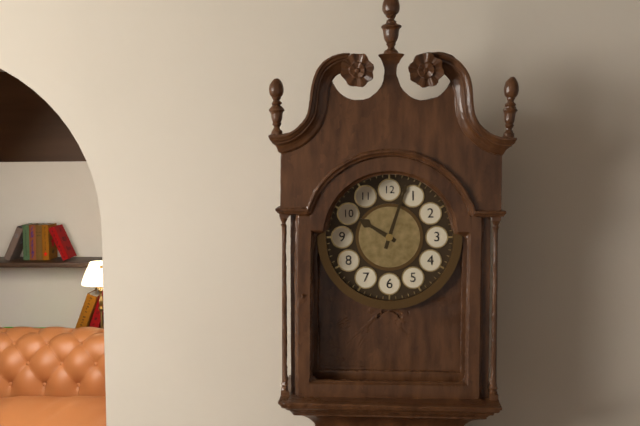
10:03
